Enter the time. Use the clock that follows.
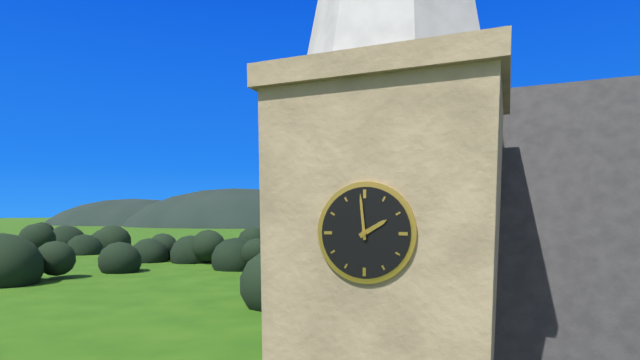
1:59
